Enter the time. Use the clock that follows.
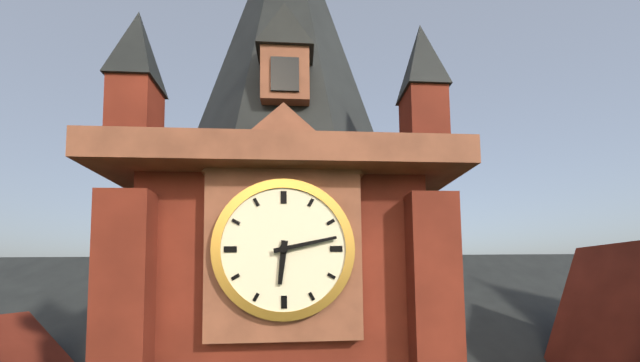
6:13
